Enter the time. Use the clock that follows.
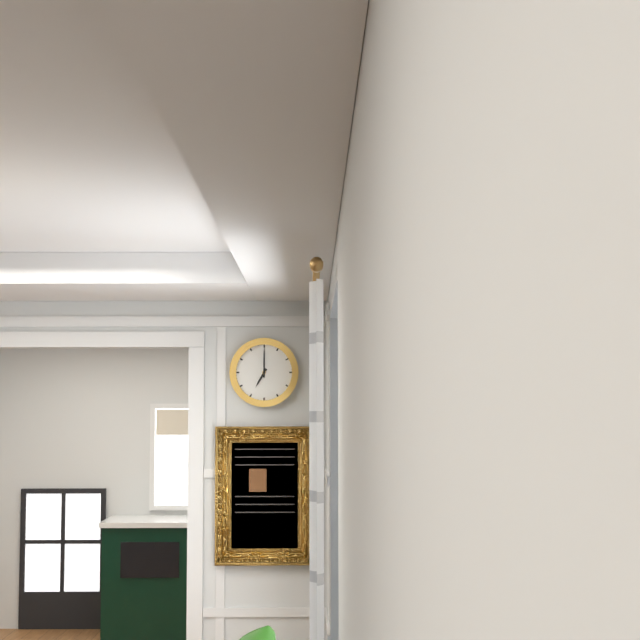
7:00
